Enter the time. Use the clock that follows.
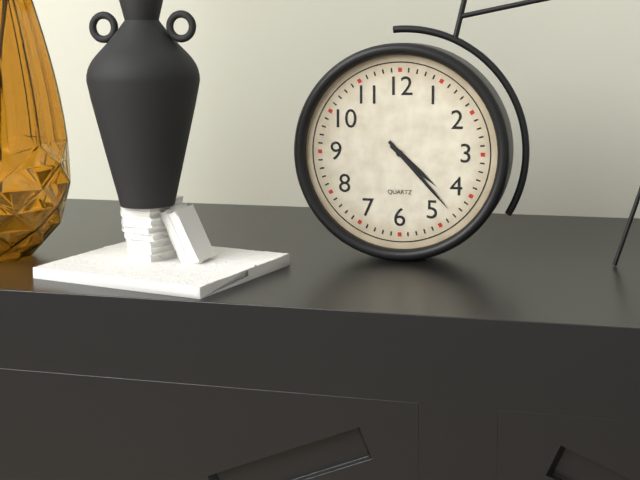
4:23
